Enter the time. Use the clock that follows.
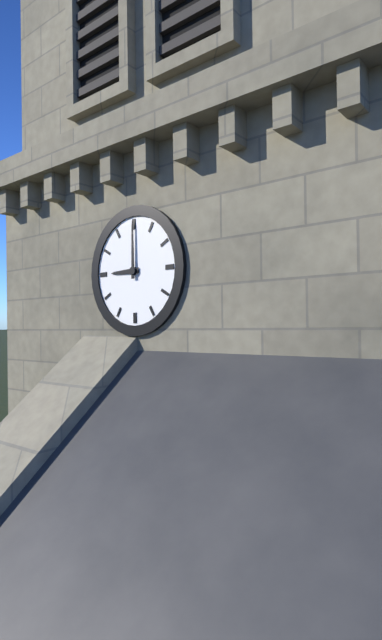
9:00
